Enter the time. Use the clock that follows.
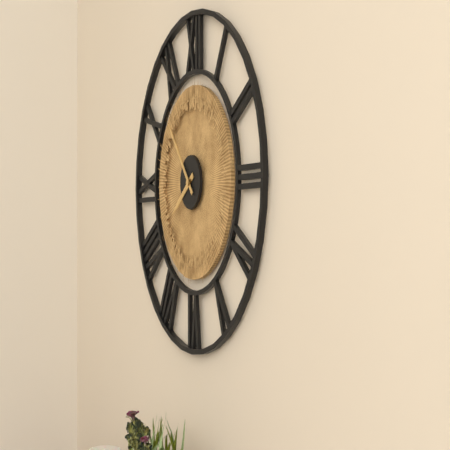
7:53
